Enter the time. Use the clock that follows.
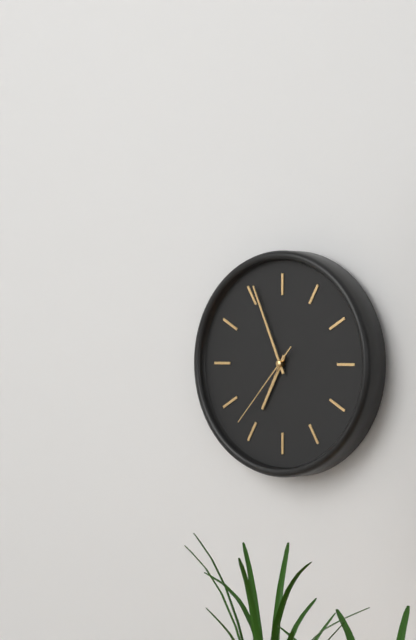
6:56:37
